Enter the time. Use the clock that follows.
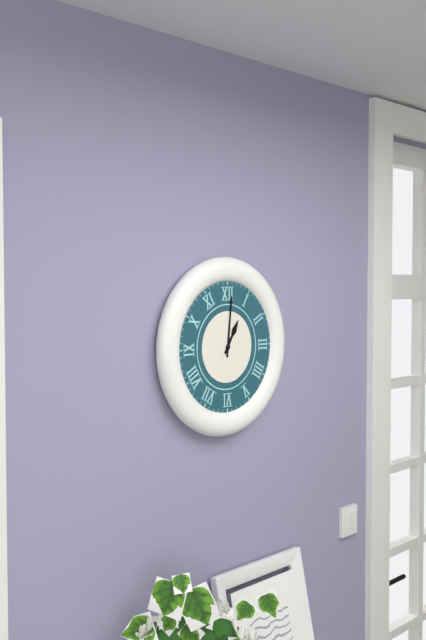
1:01
